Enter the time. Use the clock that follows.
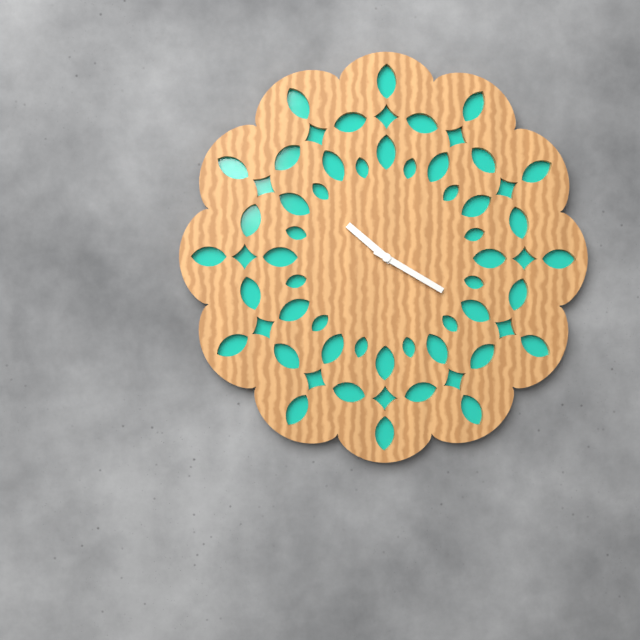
10:20
